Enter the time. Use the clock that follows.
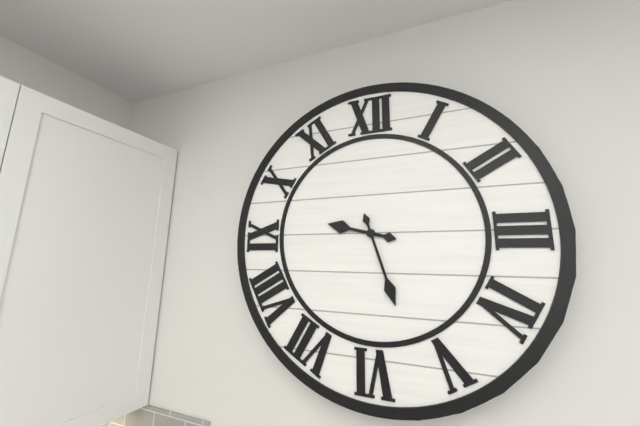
9:27
